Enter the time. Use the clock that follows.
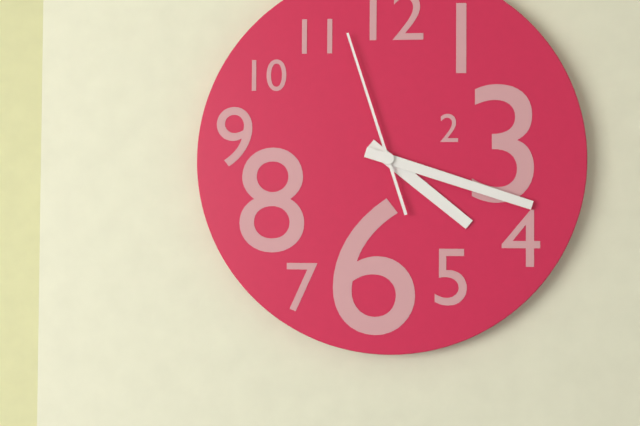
4:18:57
